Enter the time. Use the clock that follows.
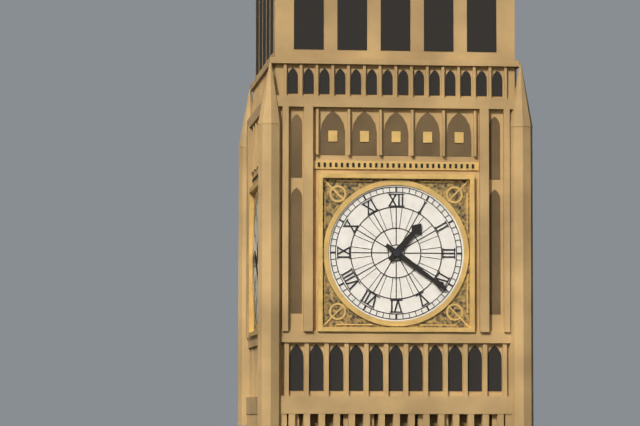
1:21
